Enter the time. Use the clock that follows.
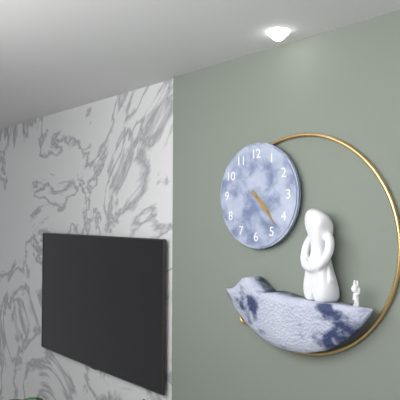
4:23
